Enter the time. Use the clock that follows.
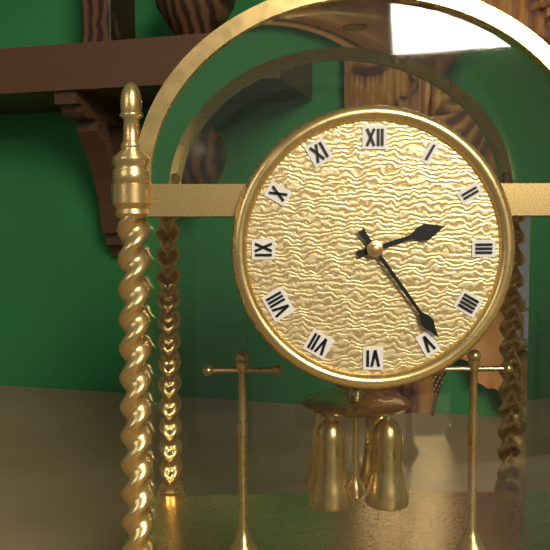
2:24
